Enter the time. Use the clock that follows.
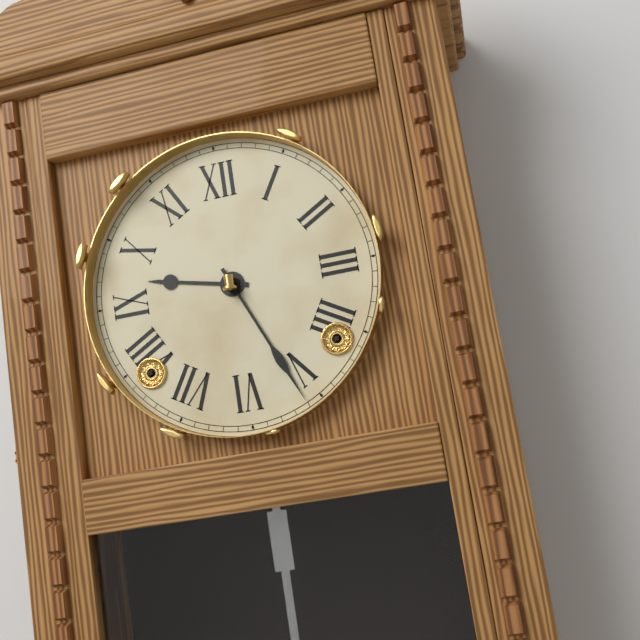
9:26
